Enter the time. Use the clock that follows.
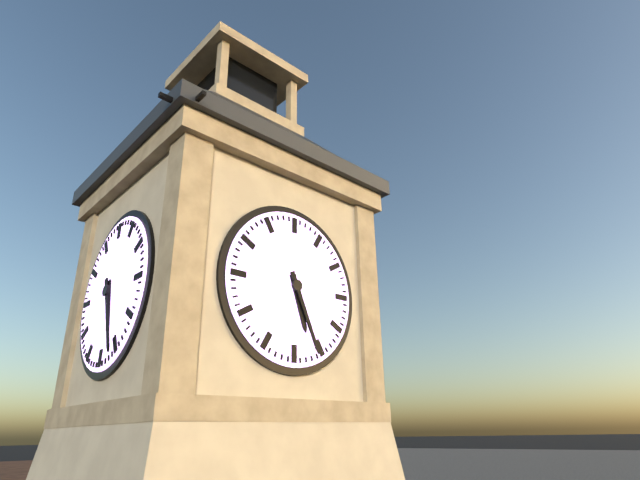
5:26
